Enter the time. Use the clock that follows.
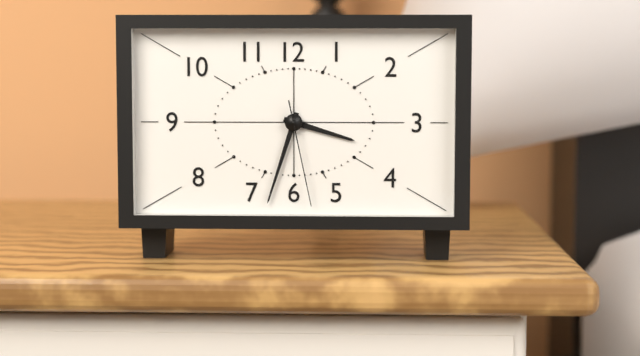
3:33:28
